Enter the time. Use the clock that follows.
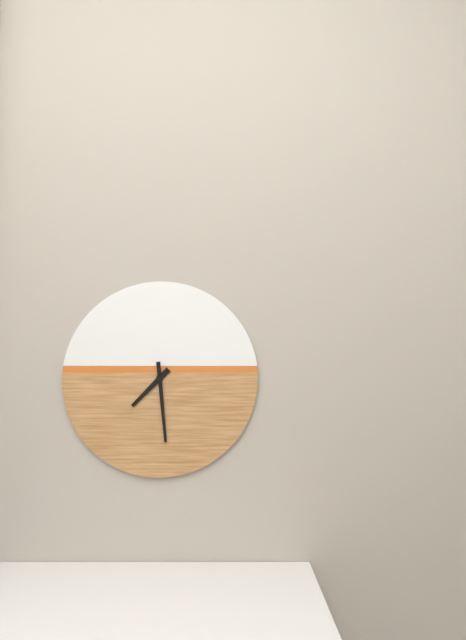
7:29
